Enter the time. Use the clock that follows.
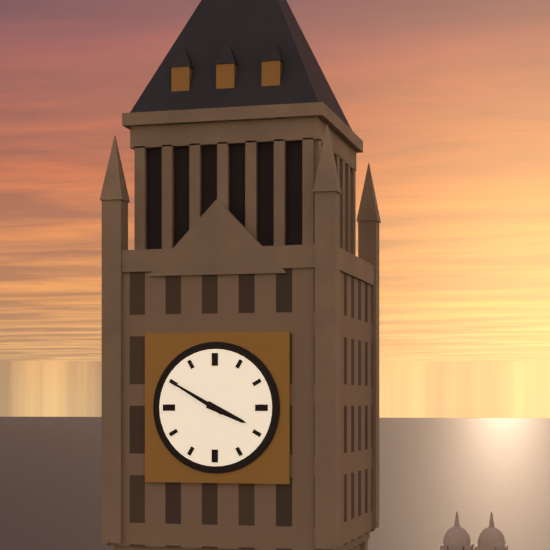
3:50
